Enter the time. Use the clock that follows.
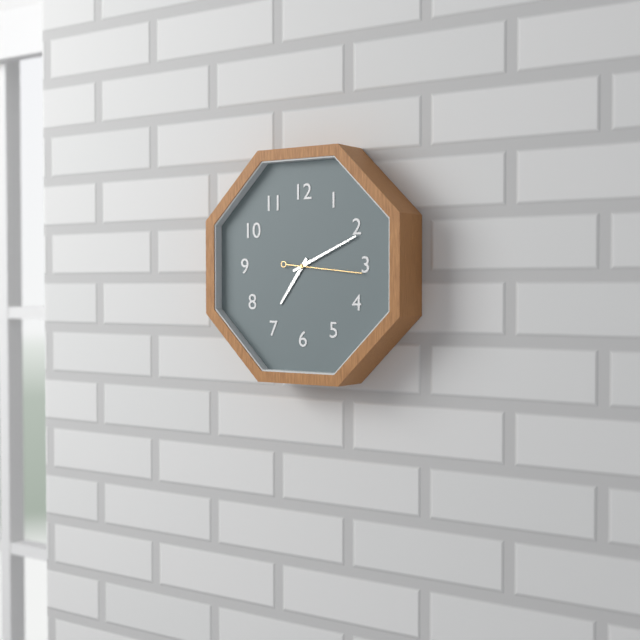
7:11:16
